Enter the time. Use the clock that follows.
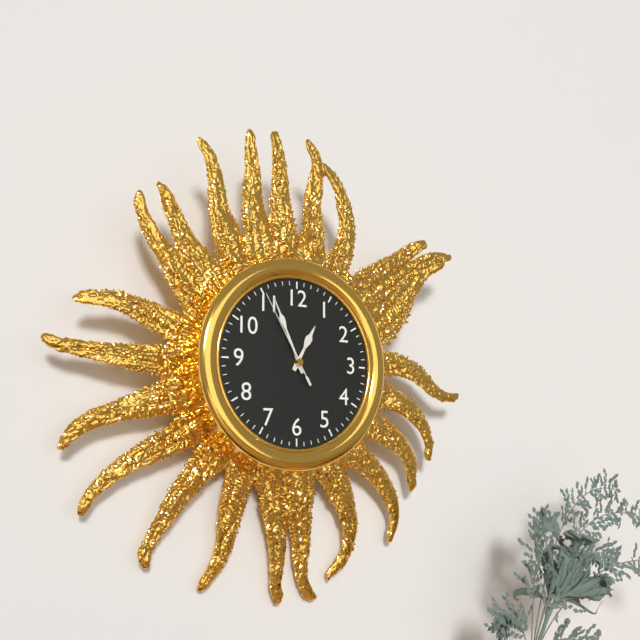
12:56:55
